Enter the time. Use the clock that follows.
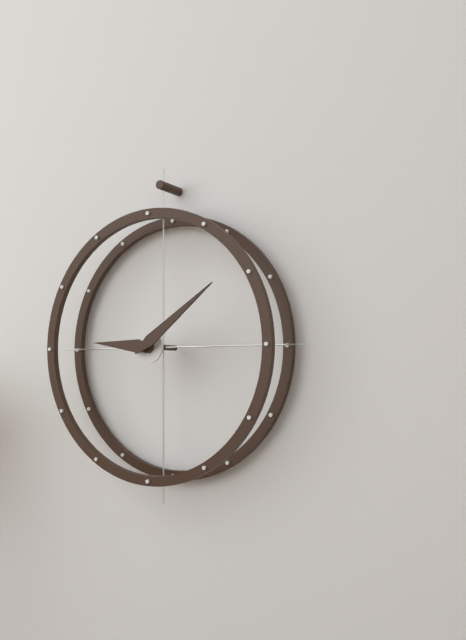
9:09
